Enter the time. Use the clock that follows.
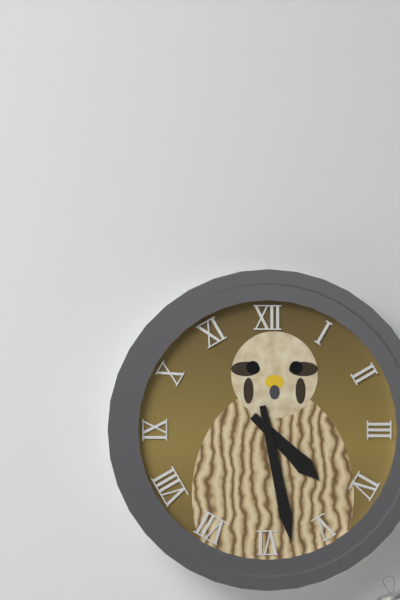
4:28
